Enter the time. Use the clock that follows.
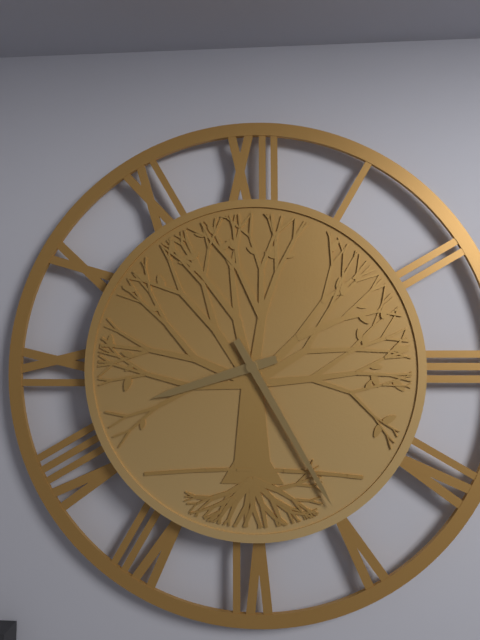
8:25
